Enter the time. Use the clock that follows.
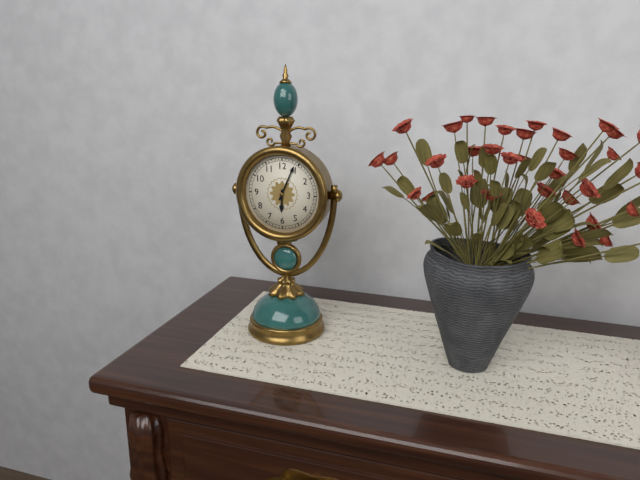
6:04
